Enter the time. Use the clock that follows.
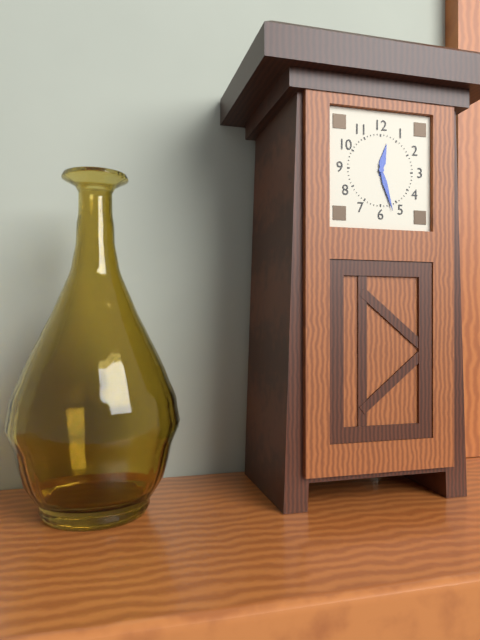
12:27
